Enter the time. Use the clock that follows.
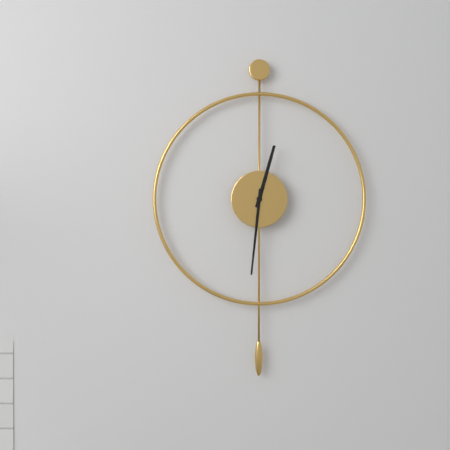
12:31
